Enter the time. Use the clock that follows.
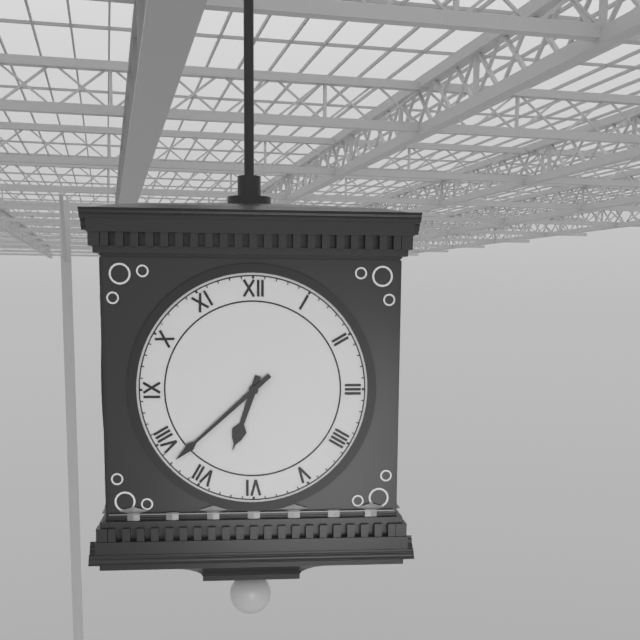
6:38
